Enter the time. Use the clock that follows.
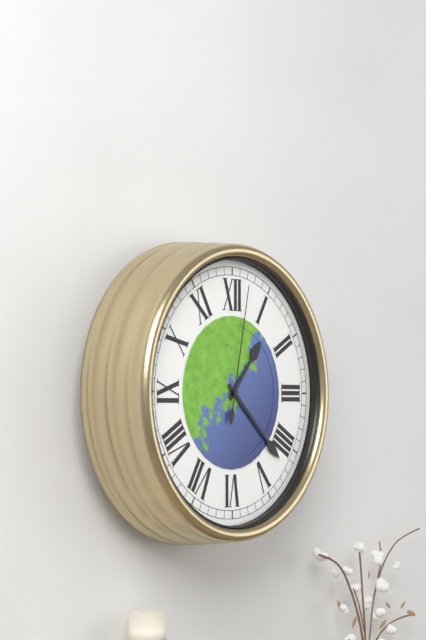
1:22:02
